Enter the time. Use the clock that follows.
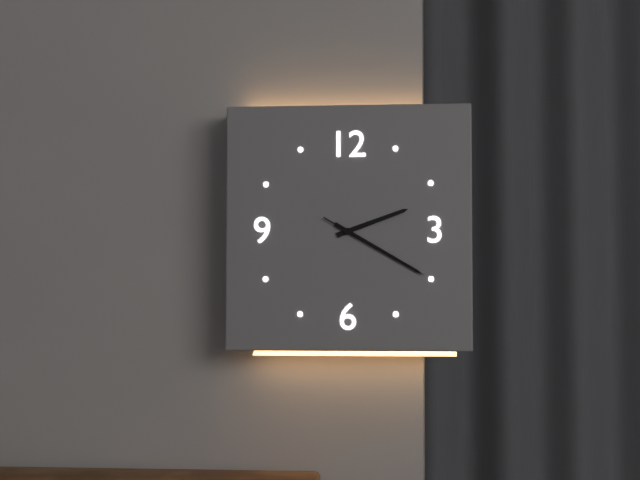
2:20:20
